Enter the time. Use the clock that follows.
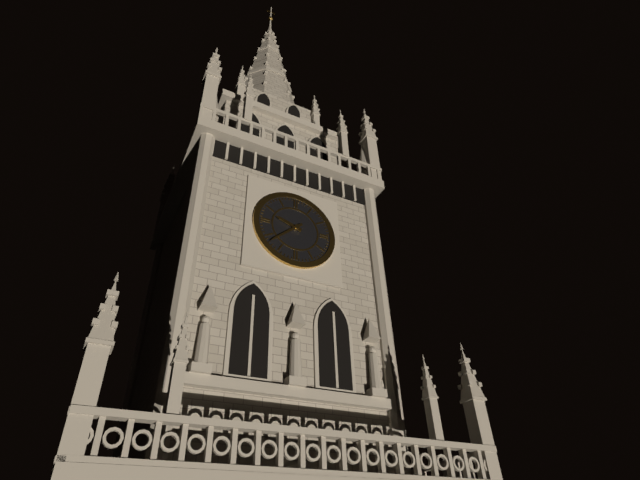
9:38
